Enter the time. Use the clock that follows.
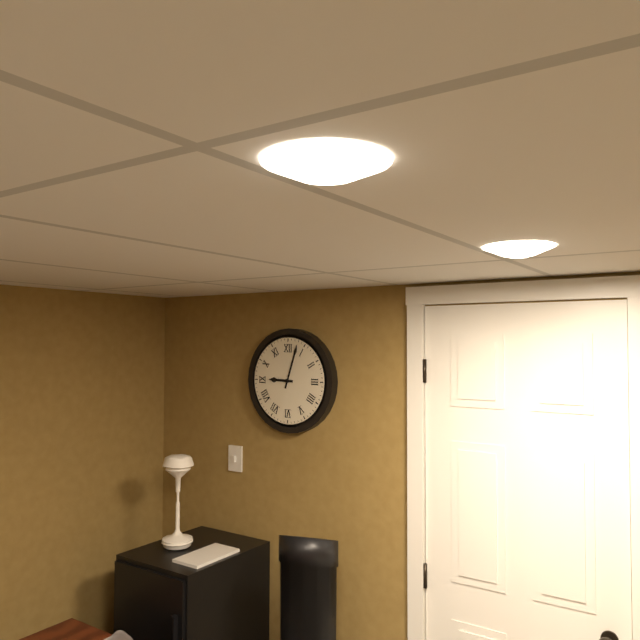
9:03
